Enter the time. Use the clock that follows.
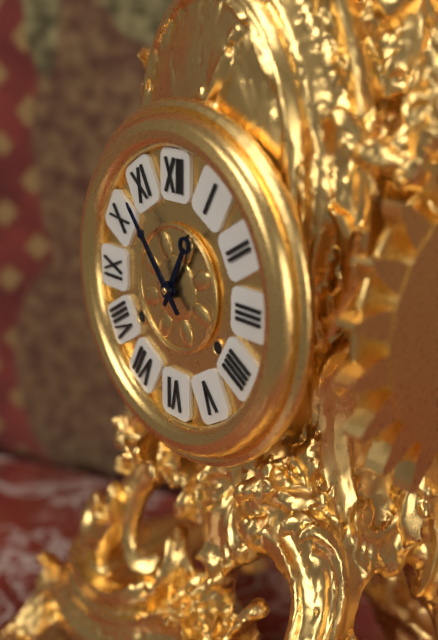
12:53
